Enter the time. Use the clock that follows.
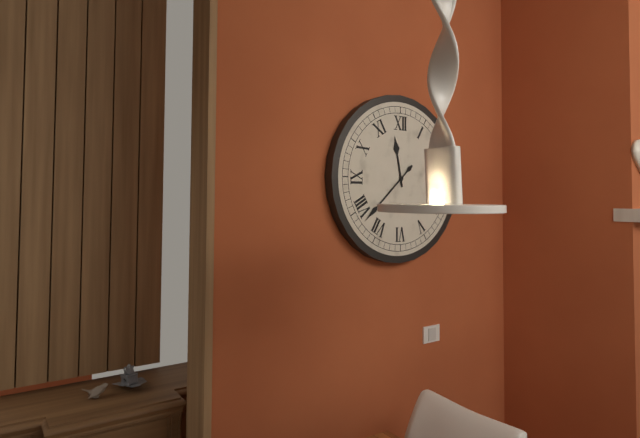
11:38
